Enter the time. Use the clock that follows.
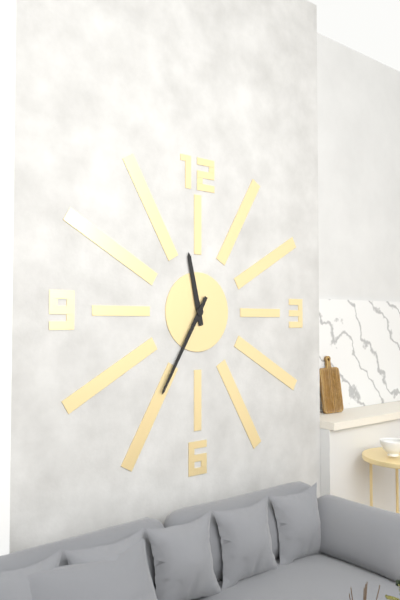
11:35
